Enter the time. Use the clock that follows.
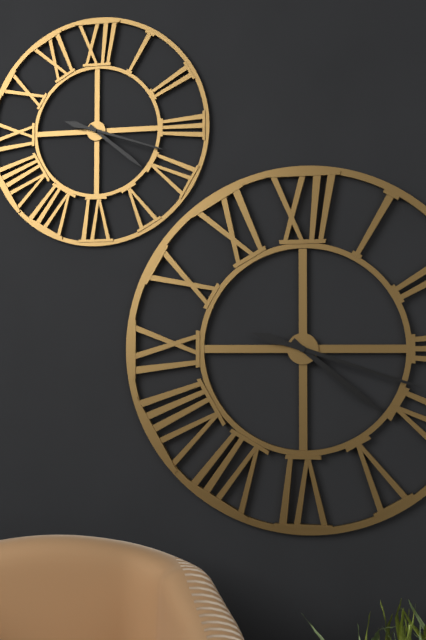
4:18
